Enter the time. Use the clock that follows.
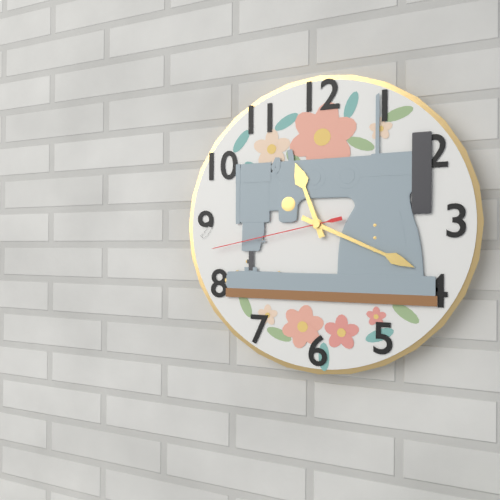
11:19:43
